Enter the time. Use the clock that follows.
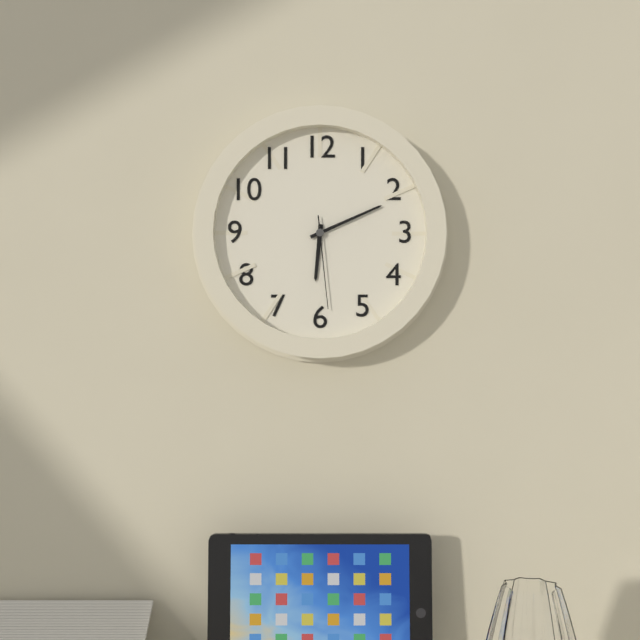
6:11:29
